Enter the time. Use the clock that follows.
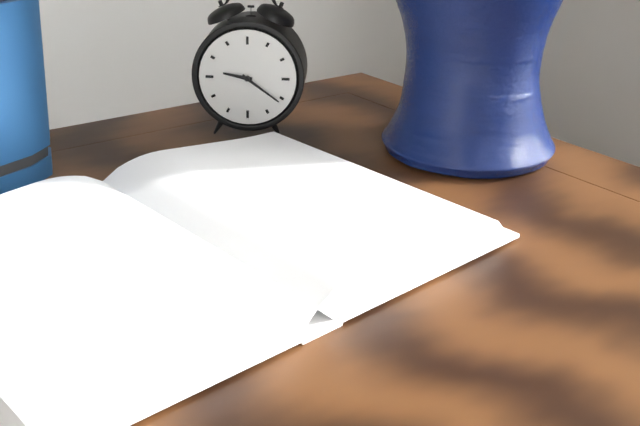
9:21
